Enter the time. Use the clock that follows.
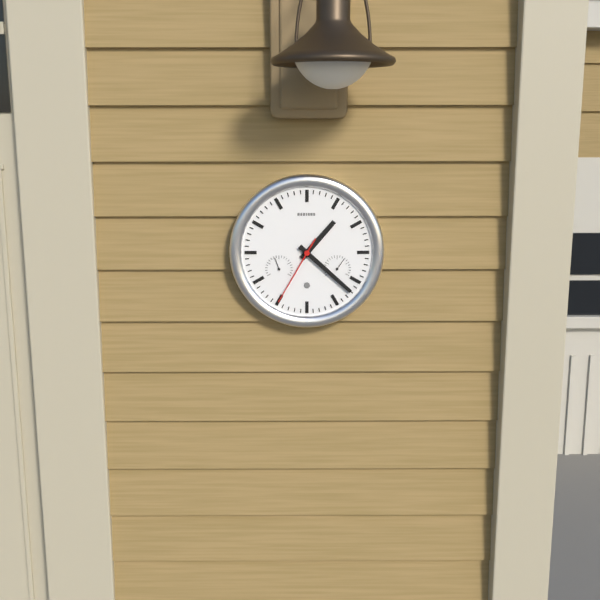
1:22:35
